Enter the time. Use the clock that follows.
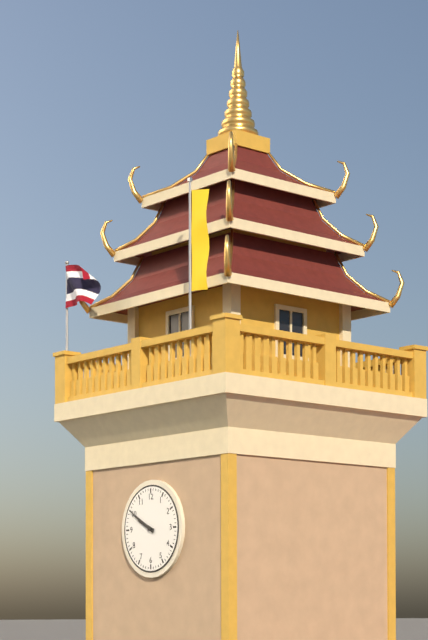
9:50
